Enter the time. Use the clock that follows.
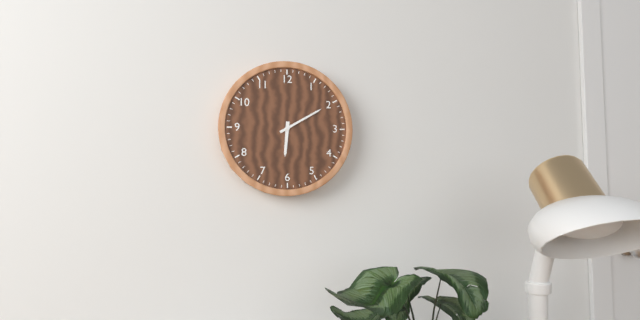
6:10
